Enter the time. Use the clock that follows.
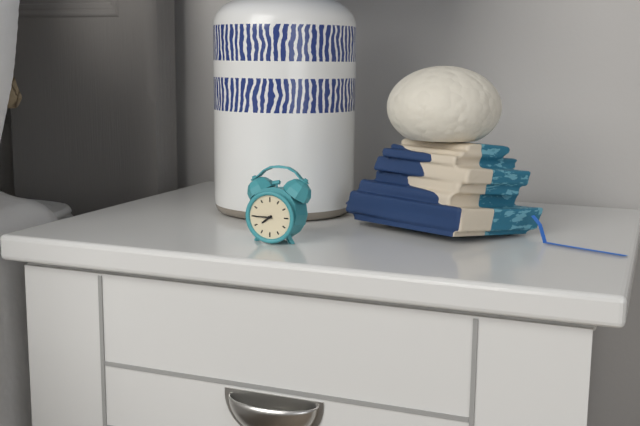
7:45
